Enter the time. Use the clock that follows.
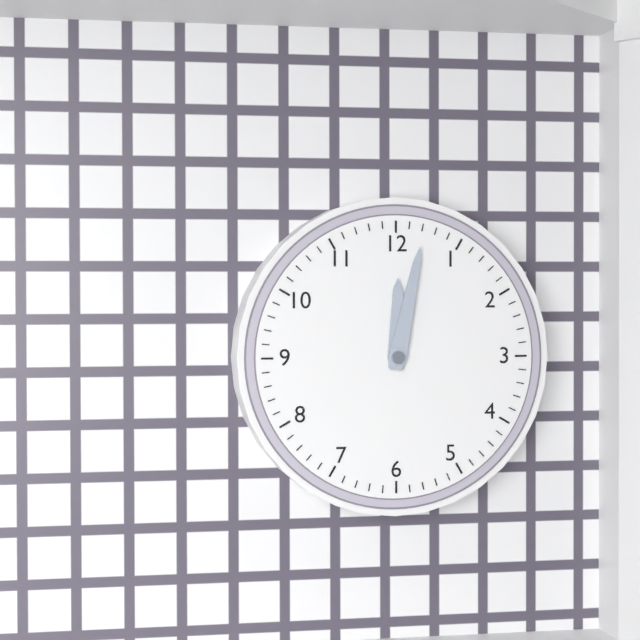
12:02
